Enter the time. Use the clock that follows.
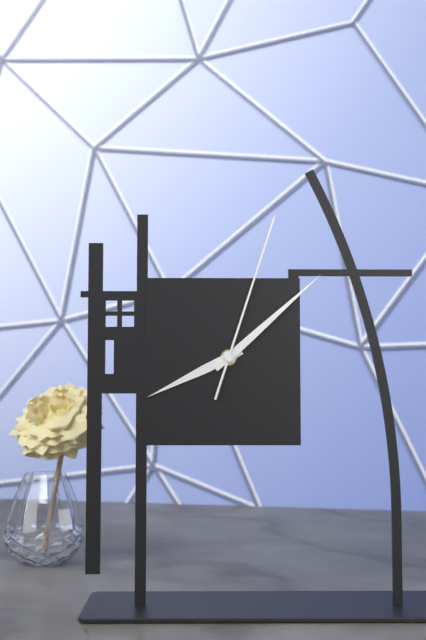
8:08:03
